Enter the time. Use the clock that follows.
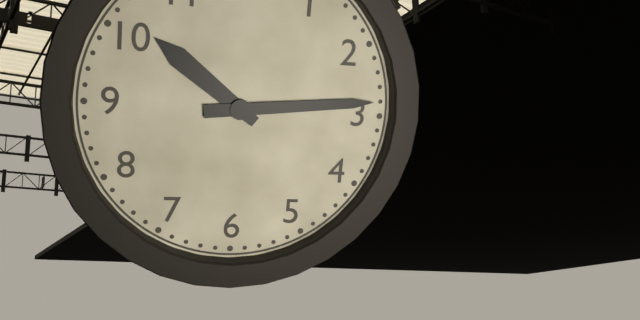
10:14
